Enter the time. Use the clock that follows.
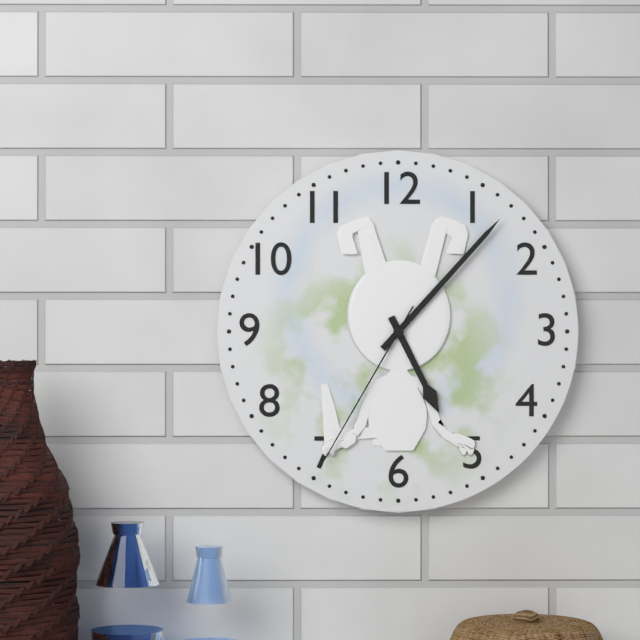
5:07:35
